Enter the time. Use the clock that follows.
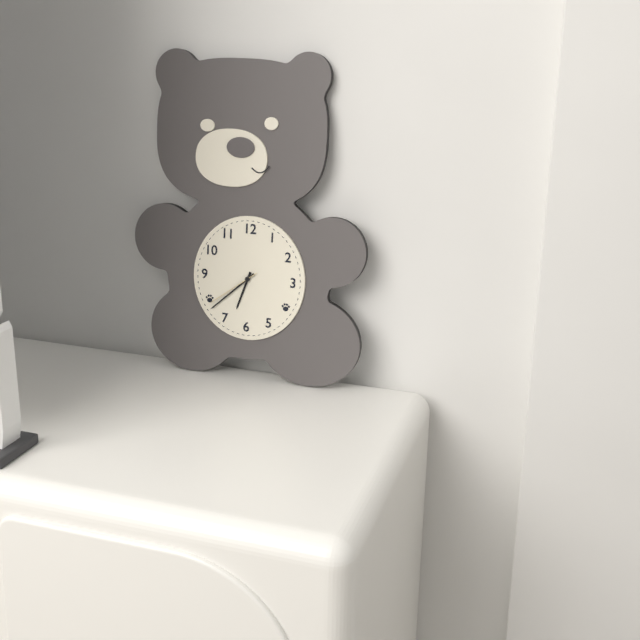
6:38:39
